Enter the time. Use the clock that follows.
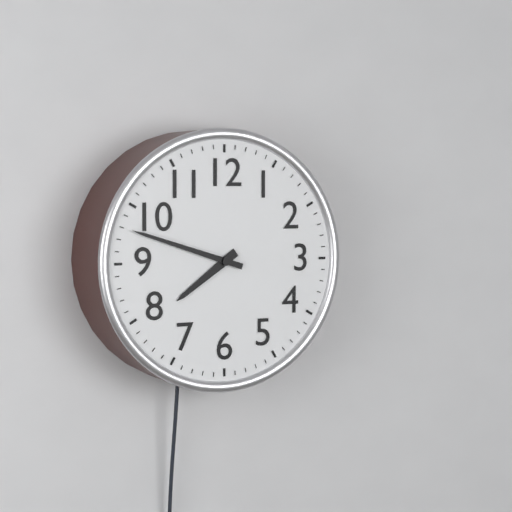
7:48
